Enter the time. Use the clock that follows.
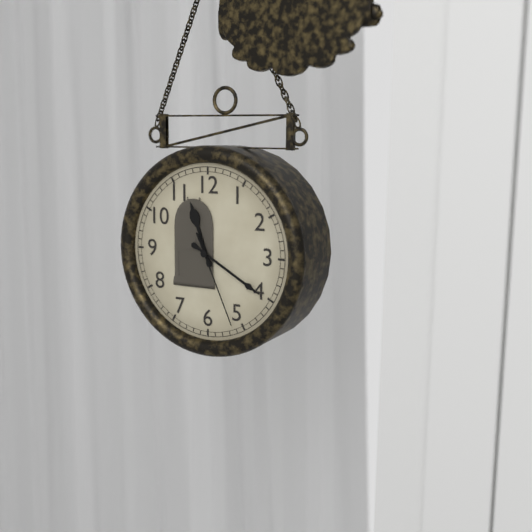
11:20:26
